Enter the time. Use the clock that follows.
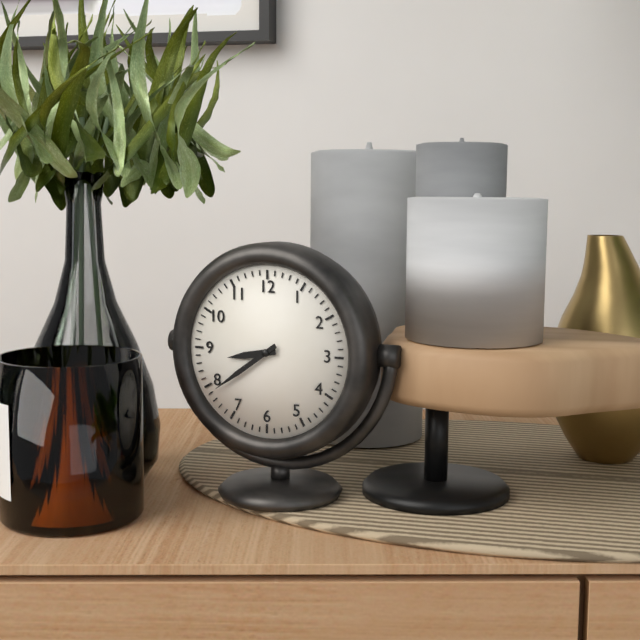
8:39
